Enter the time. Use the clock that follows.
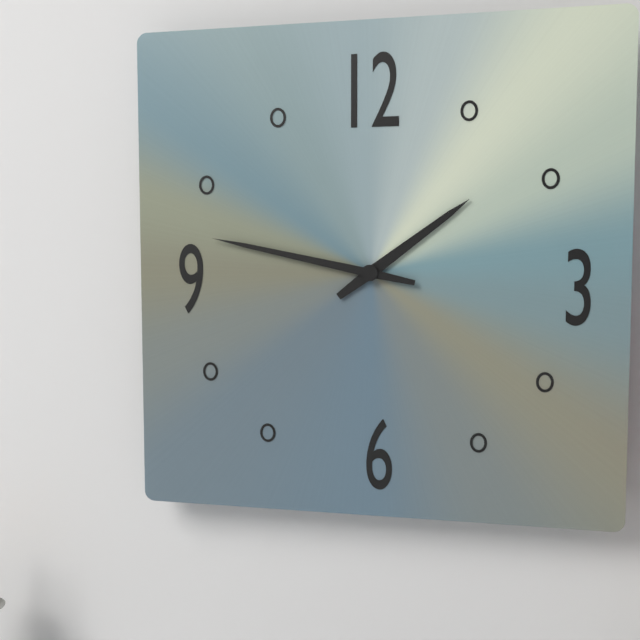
1:47
